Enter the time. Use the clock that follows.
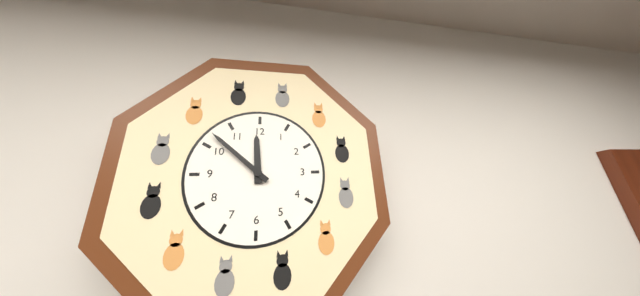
11:52
